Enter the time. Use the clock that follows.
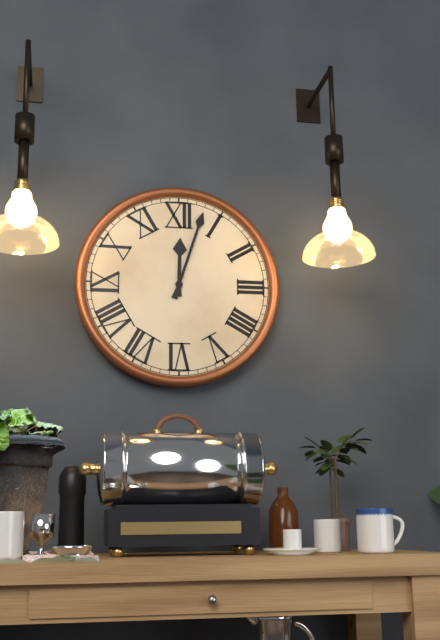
12:03
